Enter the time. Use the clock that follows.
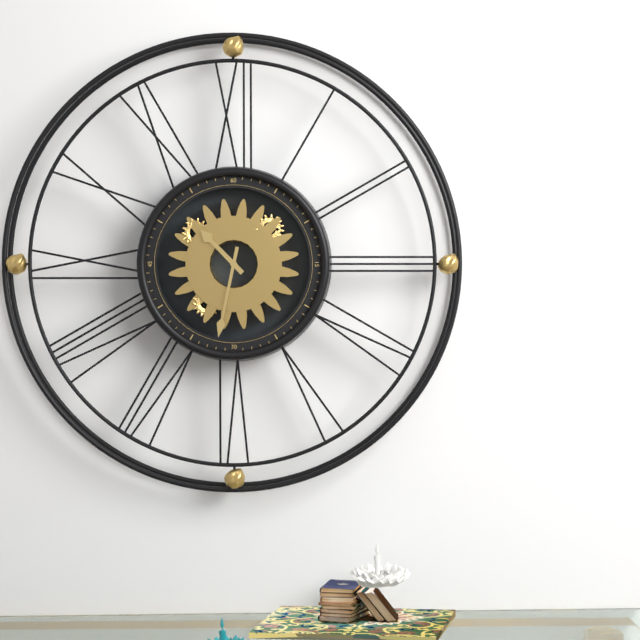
10:32
